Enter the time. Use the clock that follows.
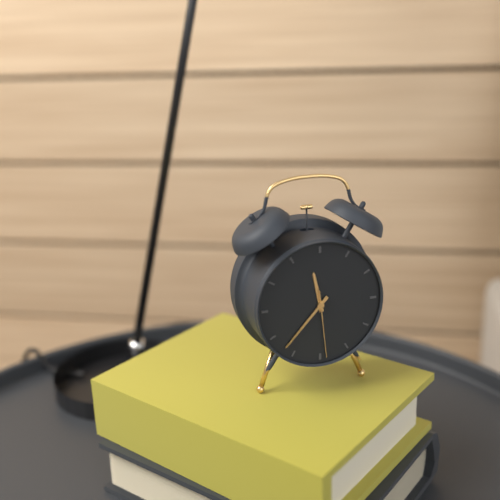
11:37:29
